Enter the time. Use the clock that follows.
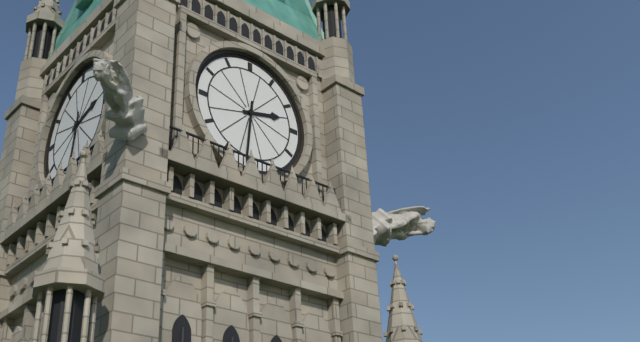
2:31
